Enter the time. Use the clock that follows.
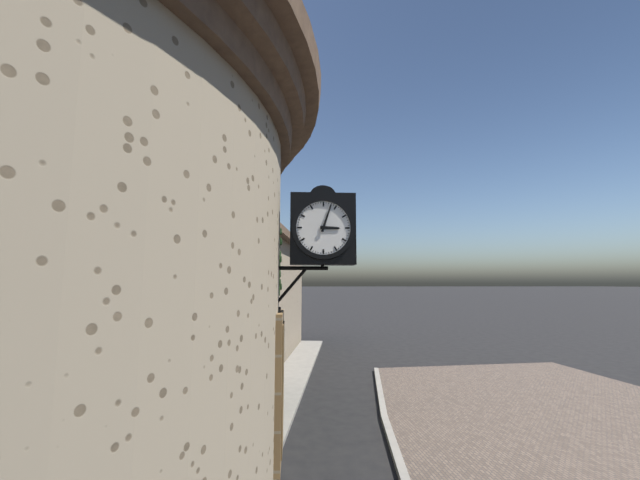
3:03
